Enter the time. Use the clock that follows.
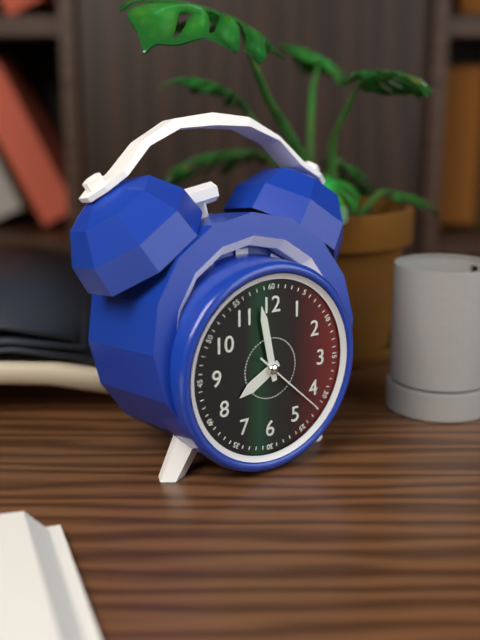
7:58:22
